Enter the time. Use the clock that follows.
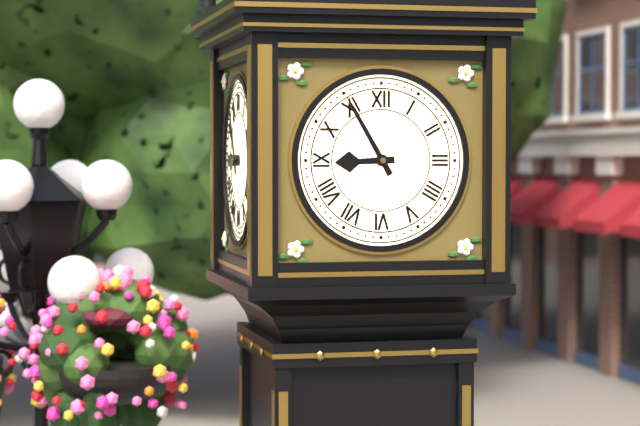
8:55
